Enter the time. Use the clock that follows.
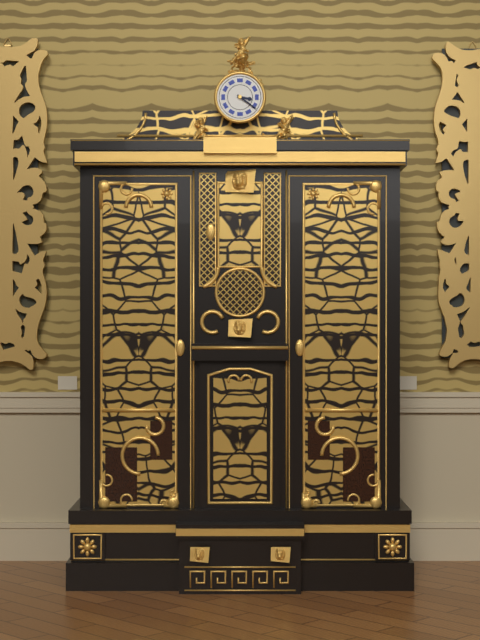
3:21
